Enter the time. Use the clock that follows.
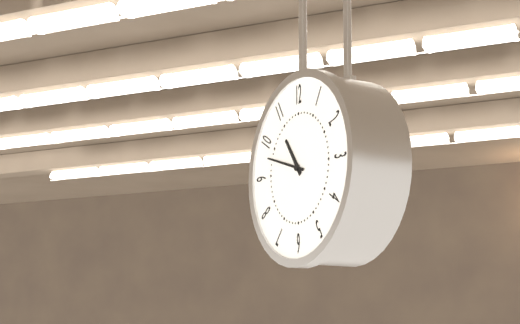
10:48
